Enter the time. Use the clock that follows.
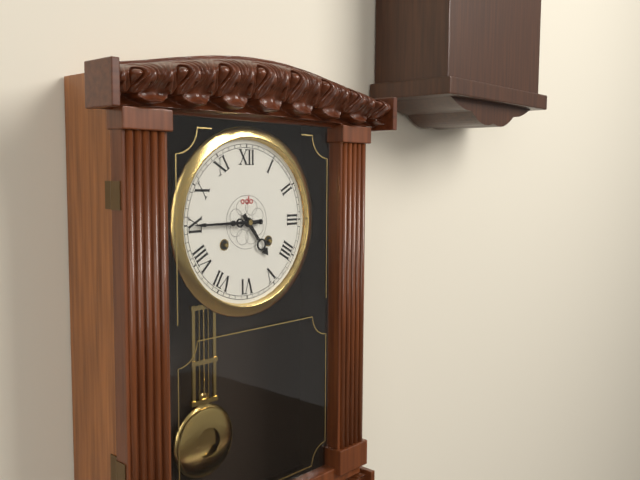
4:45
